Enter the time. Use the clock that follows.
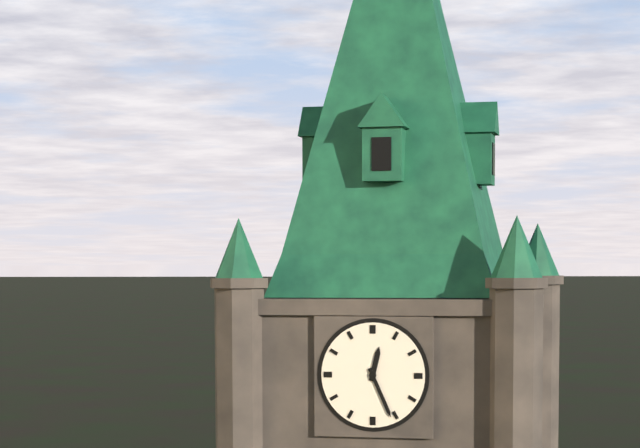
12:26
